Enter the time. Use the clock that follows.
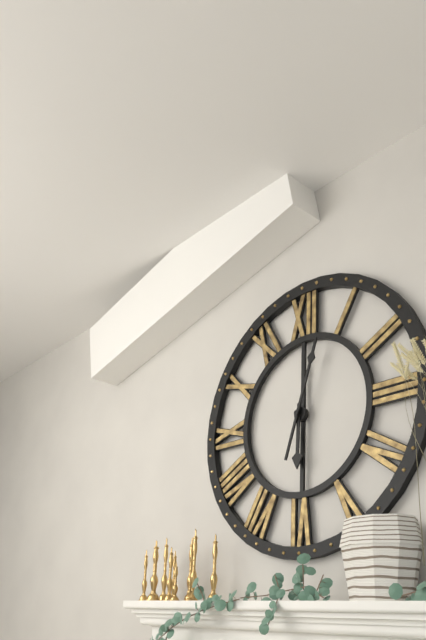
6:03
